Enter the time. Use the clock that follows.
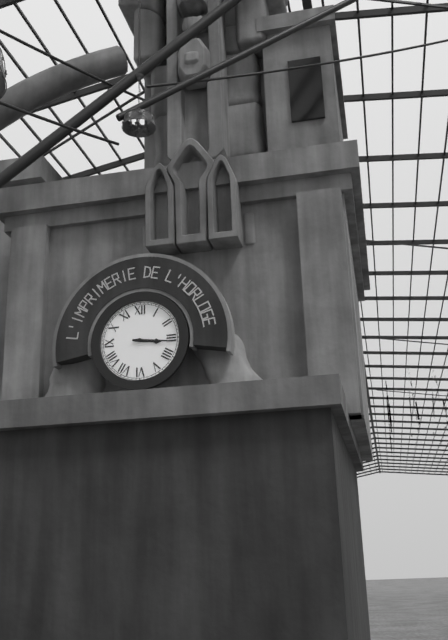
3:16
